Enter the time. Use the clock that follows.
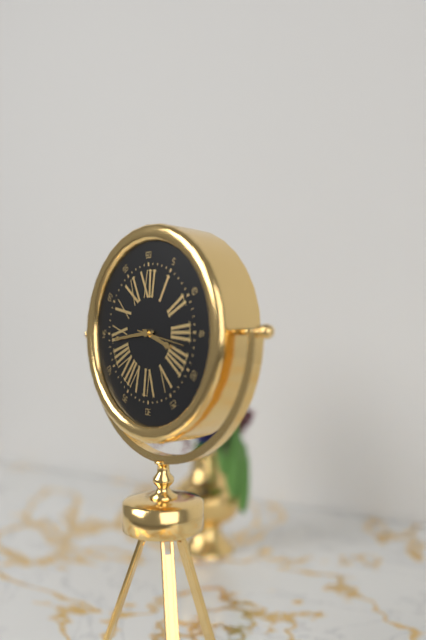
3:44
